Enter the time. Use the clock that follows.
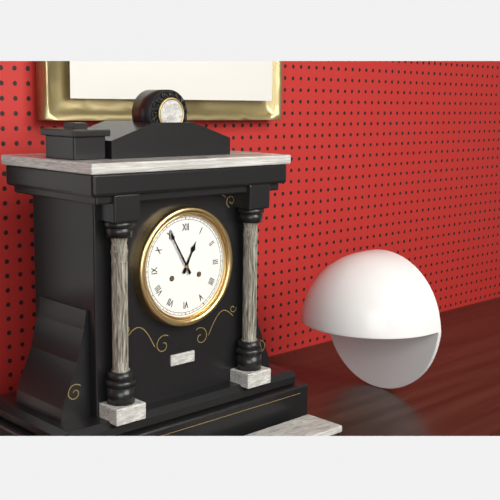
12:55
